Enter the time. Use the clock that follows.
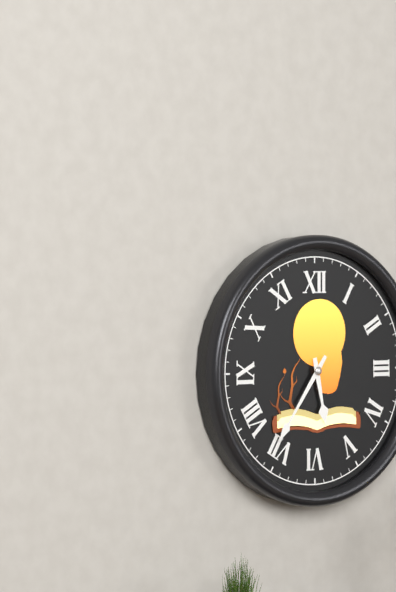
5:36
